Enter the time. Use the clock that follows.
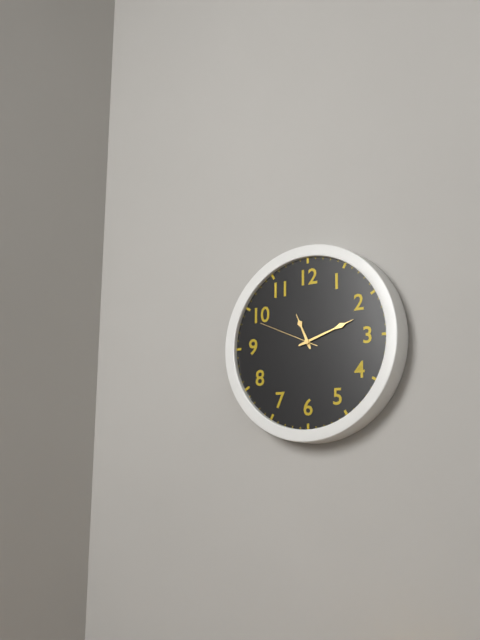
11:12:49
